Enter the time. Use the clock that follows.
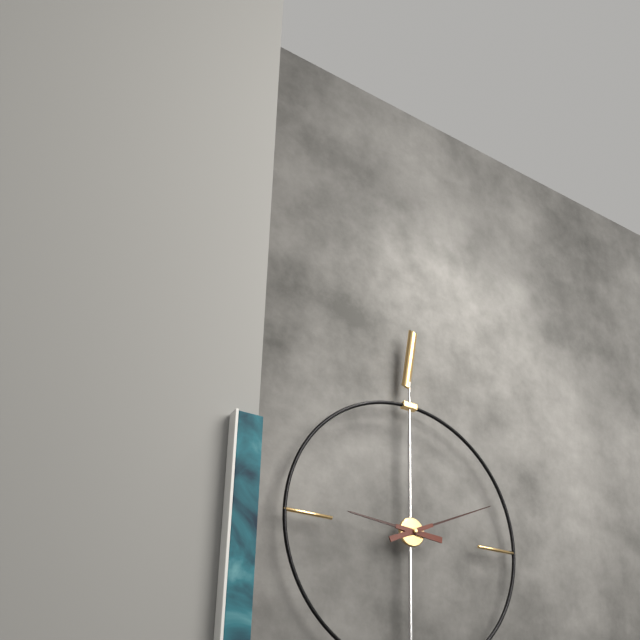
9:11
